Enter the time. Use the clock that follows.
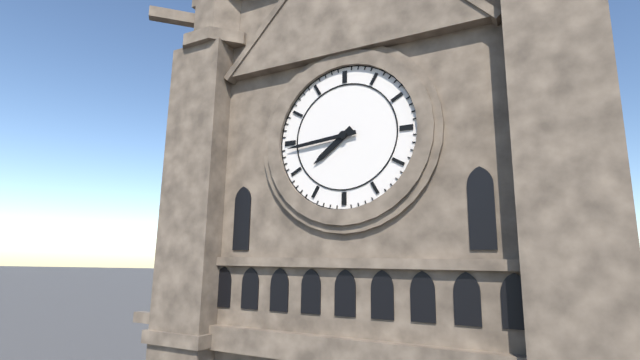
7:44
